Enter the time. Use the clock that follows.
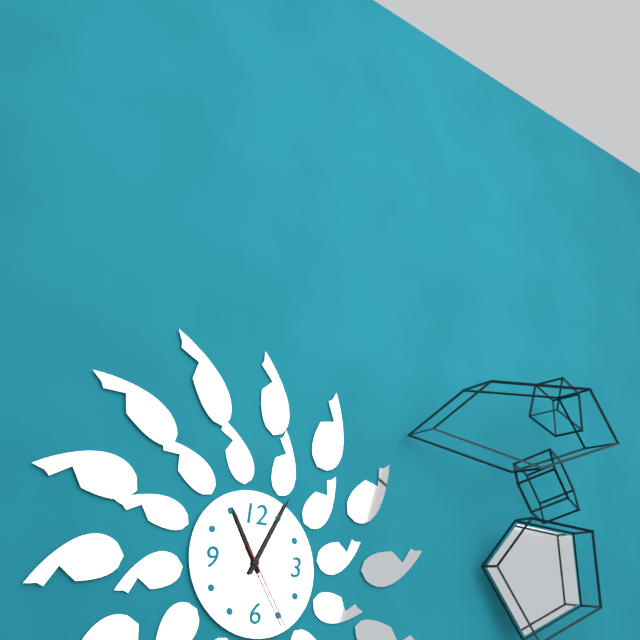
11:05:25
